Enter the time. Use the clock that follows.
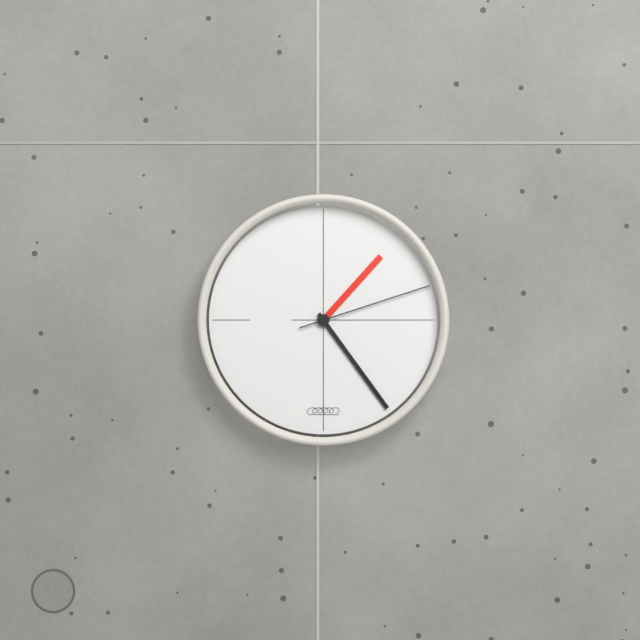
1:24:12
